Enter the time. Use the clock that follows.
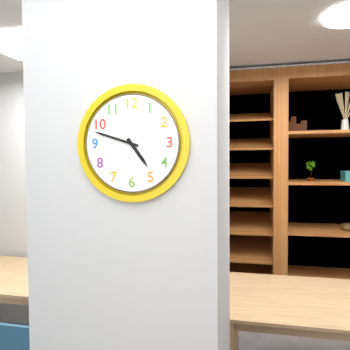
4:48
